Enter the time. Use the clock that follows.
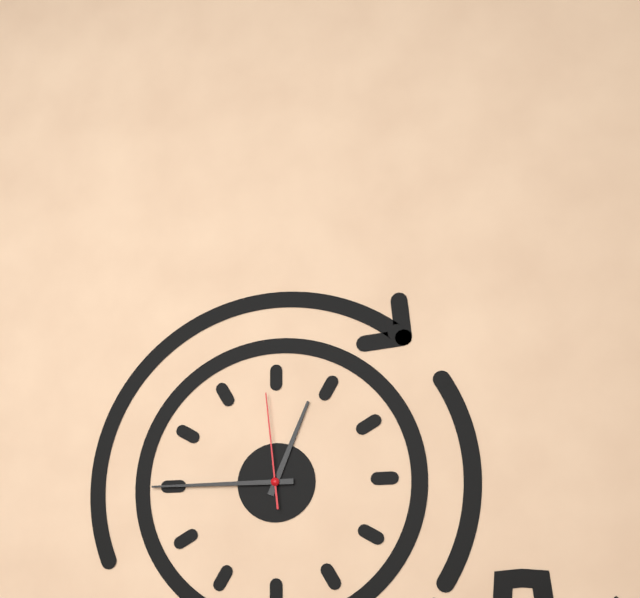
12:45:59
